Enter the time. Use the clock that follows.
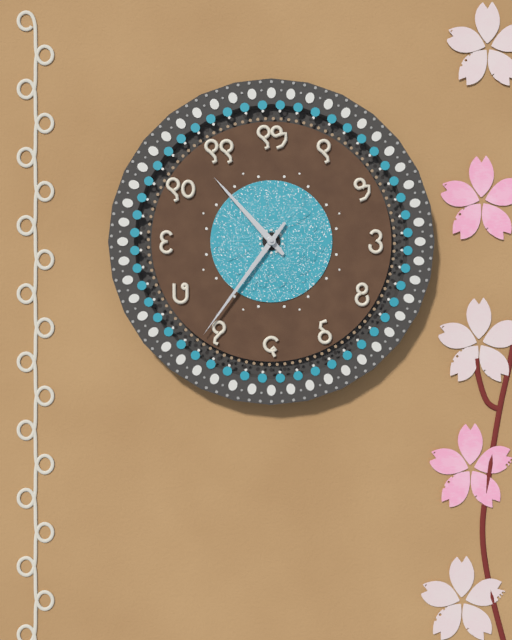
10:36
